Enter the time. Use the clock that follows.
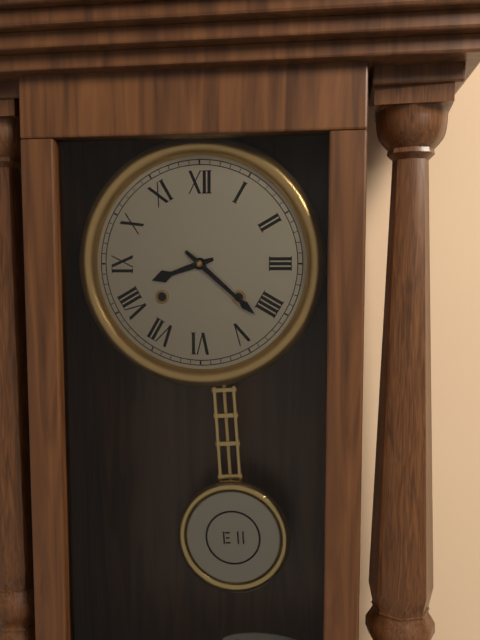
8:22
